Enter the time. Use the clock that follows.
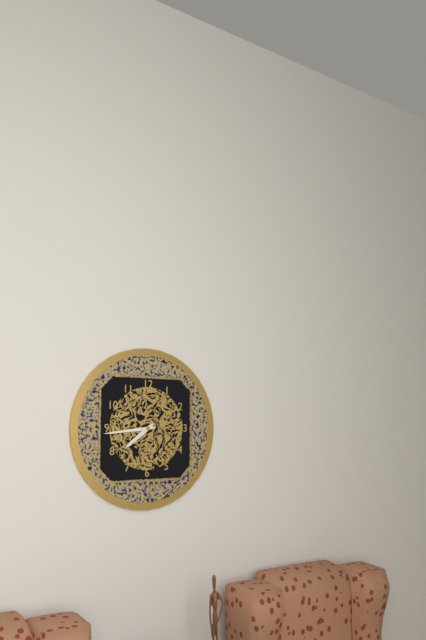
7:44
